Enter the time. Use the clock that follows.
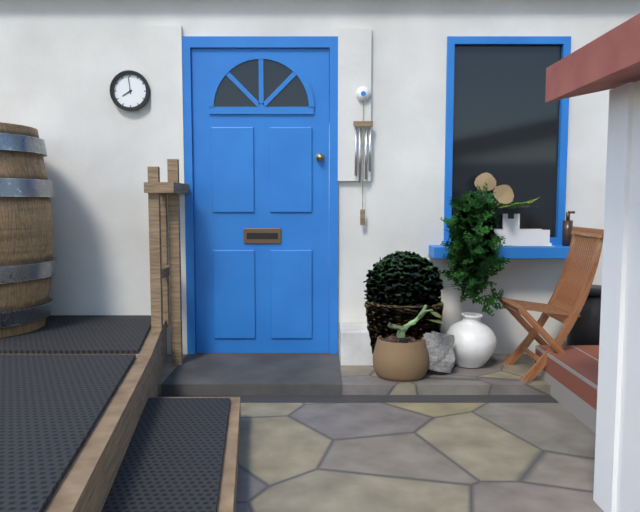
7:59
